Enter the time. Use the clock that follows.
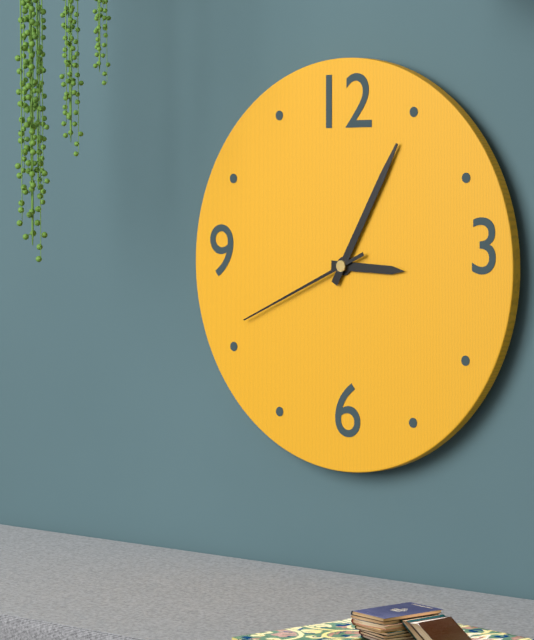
3:05:41
